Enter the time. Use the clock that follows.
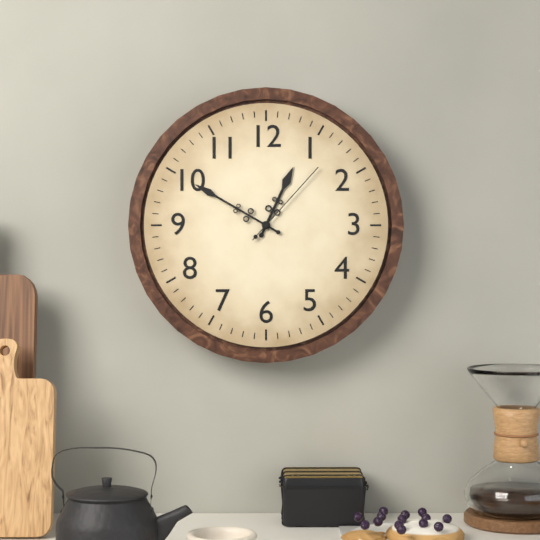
12:50:07
